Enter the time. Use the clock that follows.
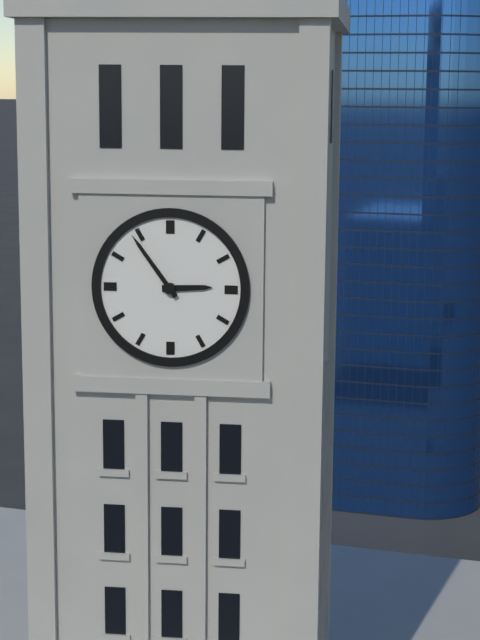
2:54
